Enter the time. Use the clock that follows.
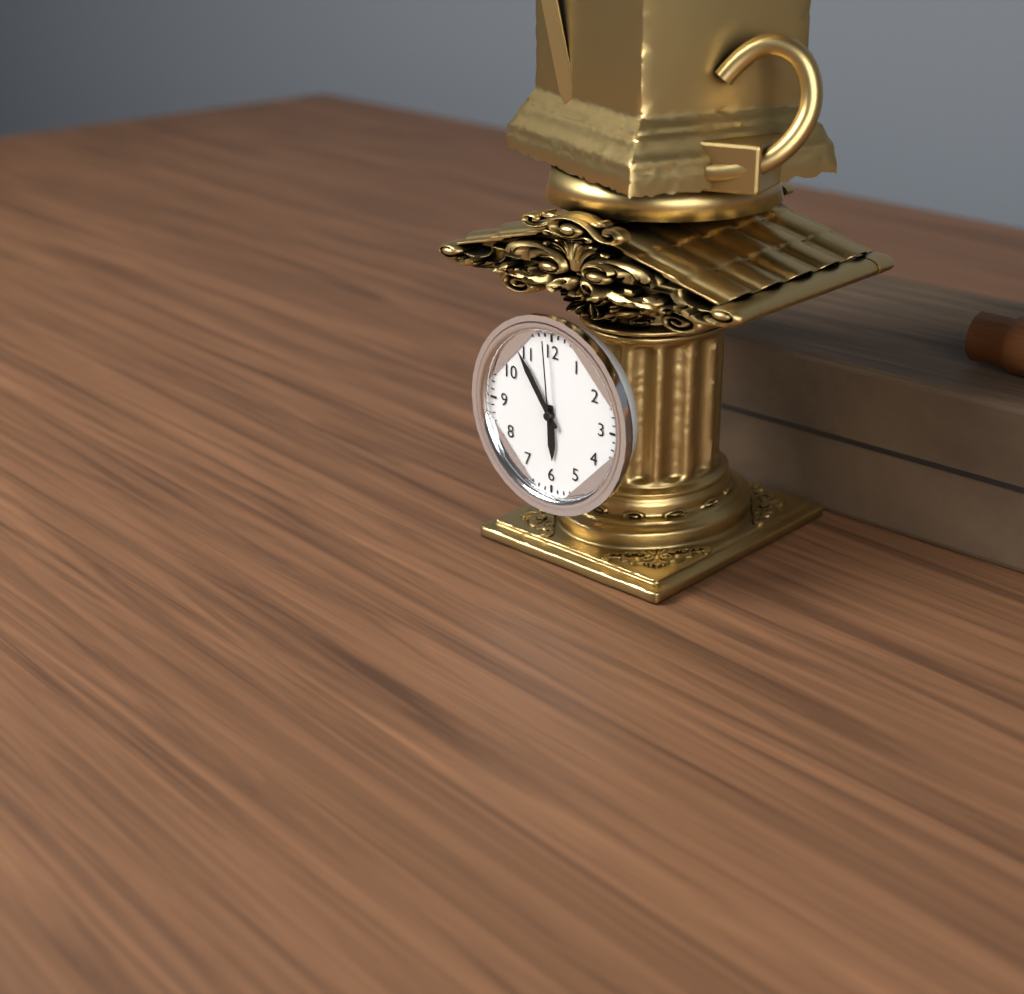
5:54:59
